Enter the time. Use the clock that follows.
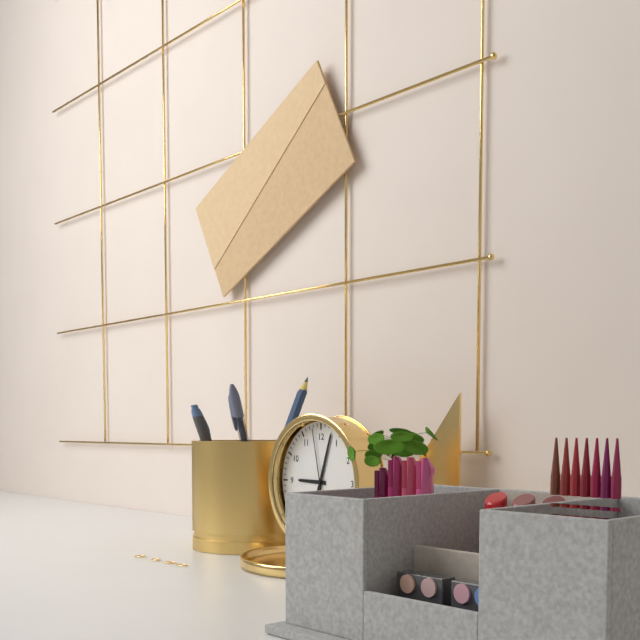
9:03:58
